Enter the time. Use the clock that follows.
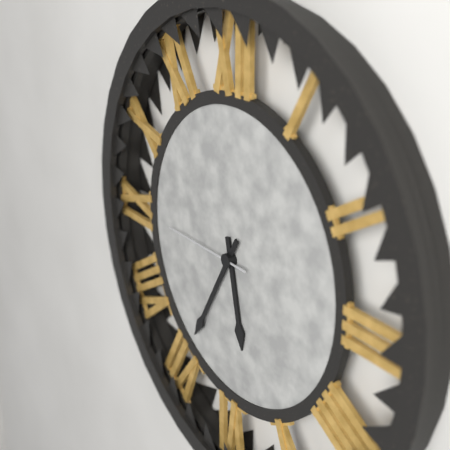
5:35:45
